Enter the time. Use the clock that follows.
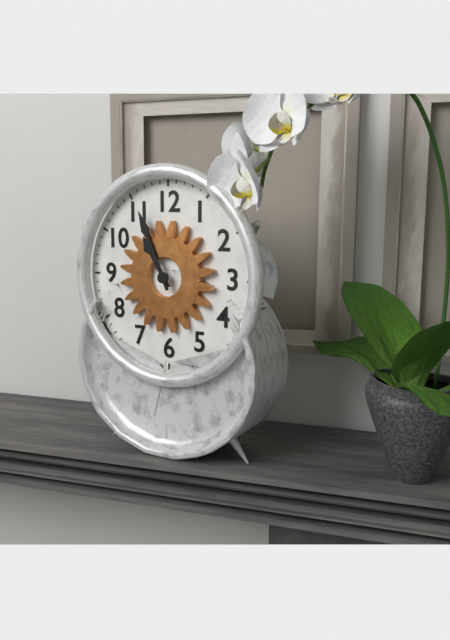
10:56
